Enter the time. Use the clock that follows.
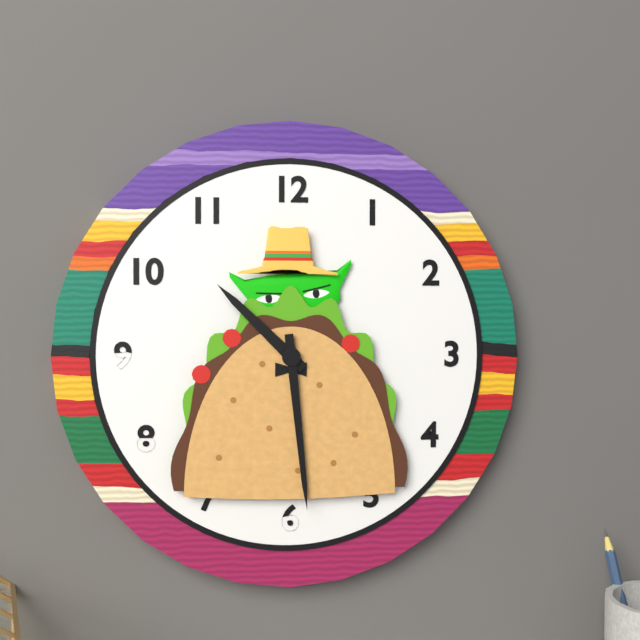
10:29
